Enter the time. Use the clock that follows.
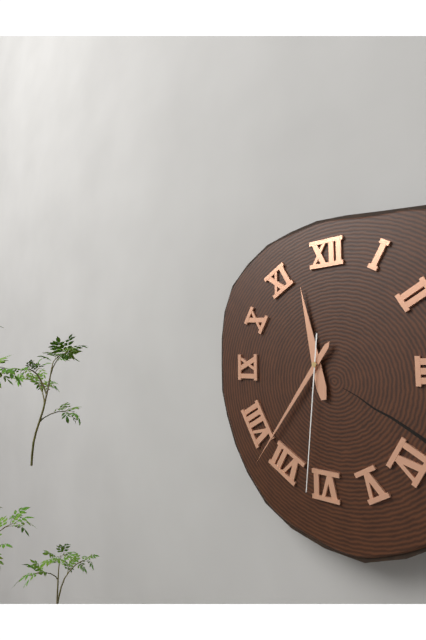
11:36:31
